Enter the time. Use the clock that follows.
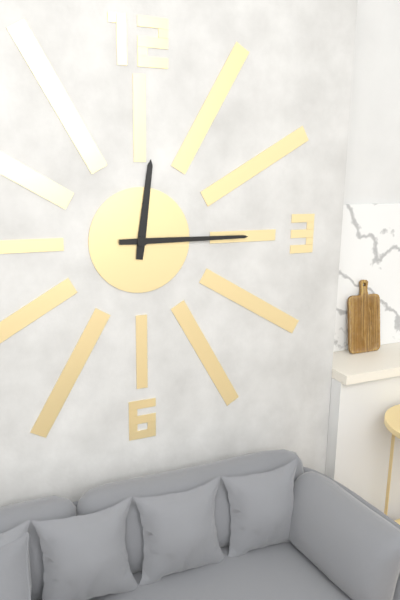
12:15
